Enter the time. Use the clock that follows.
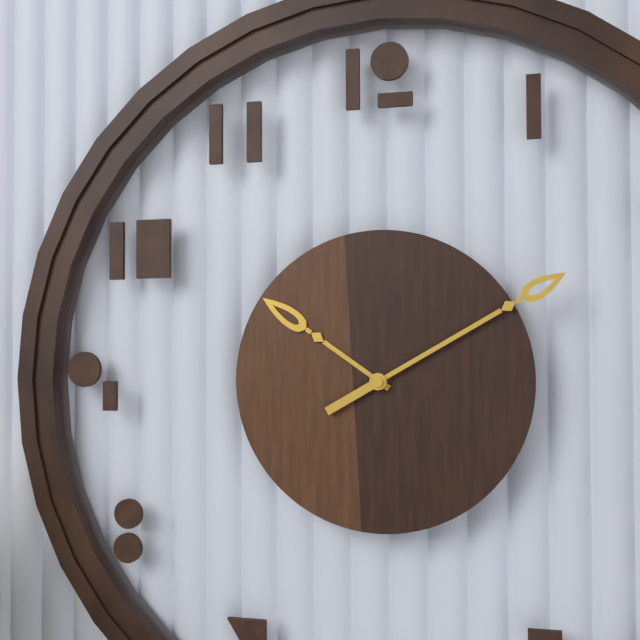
10:10
